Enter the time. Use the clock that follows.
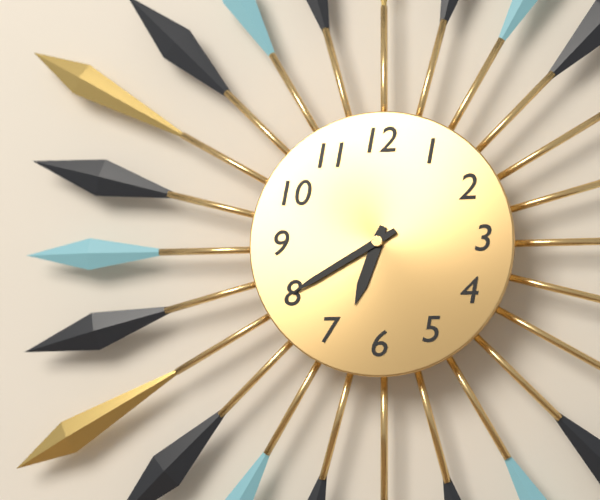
6:40
